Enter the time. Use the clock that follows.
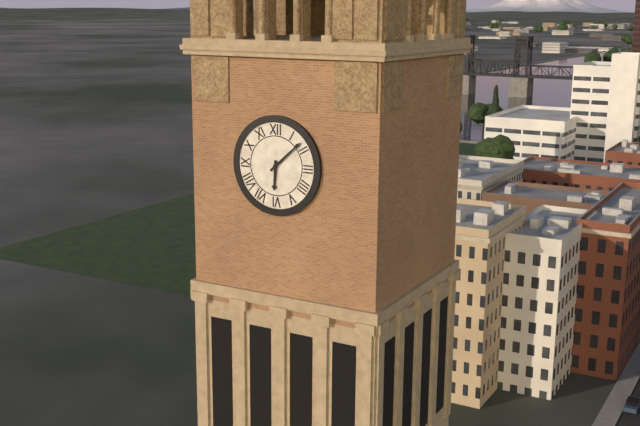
6:08
